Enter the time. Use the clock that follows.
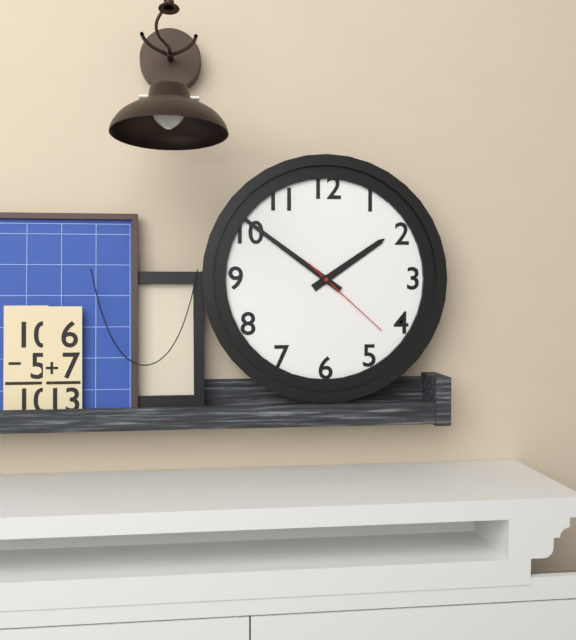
1:51:22
